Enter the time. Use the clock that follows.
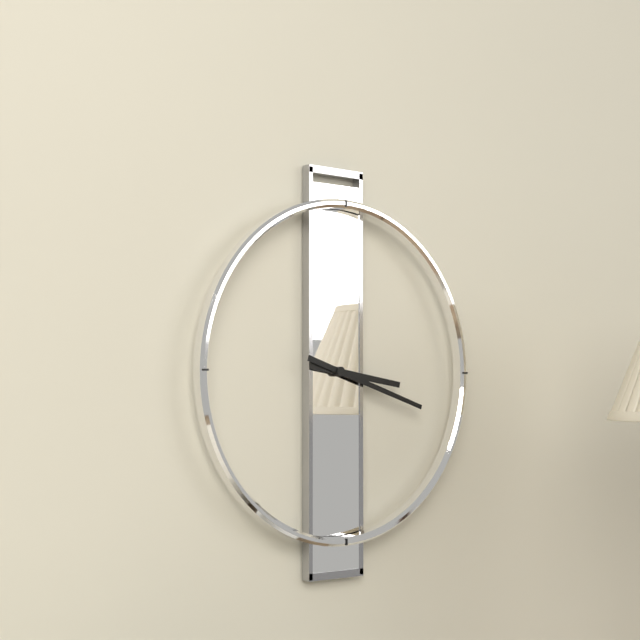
3:18
